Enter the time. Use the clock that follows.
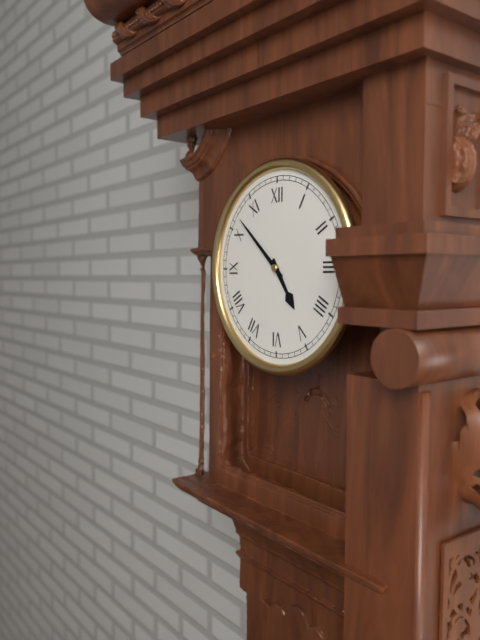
4:52
